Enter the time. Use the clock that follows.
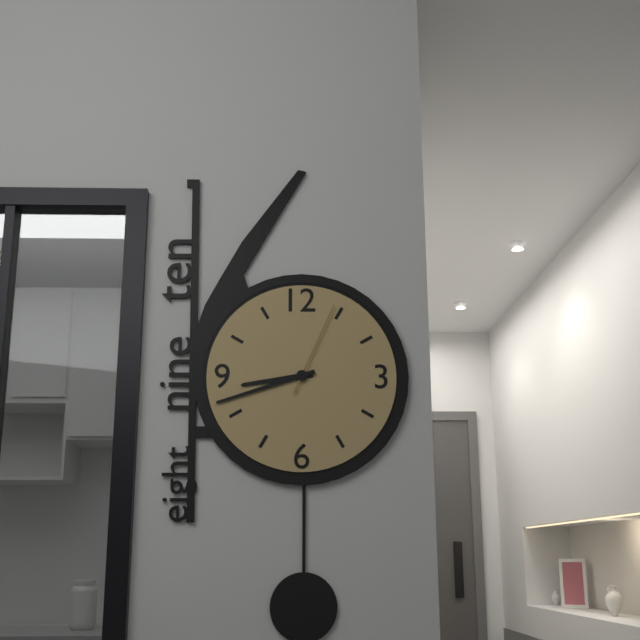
8:42:04
